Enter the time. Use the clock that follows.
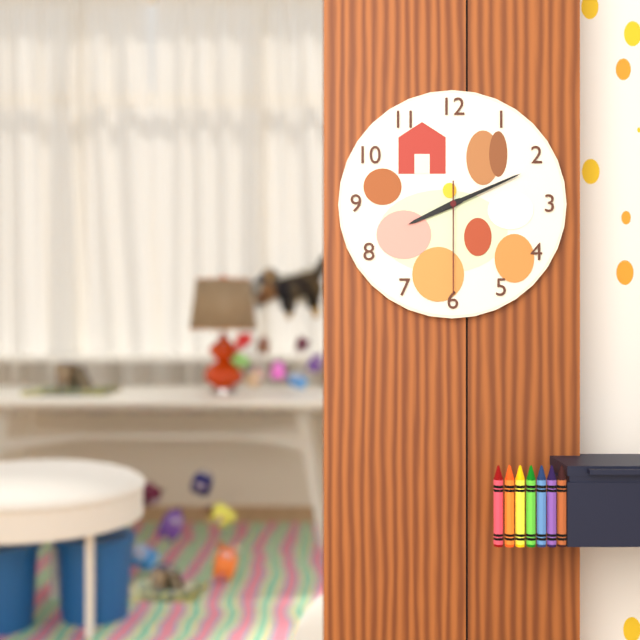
8:11:30
